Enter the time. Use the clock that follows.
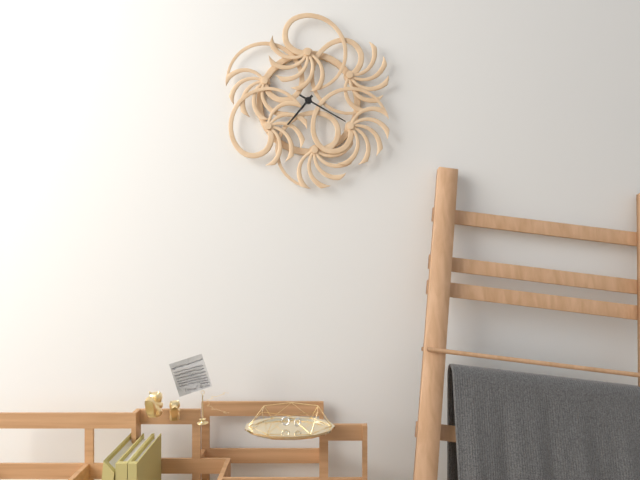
7:20
